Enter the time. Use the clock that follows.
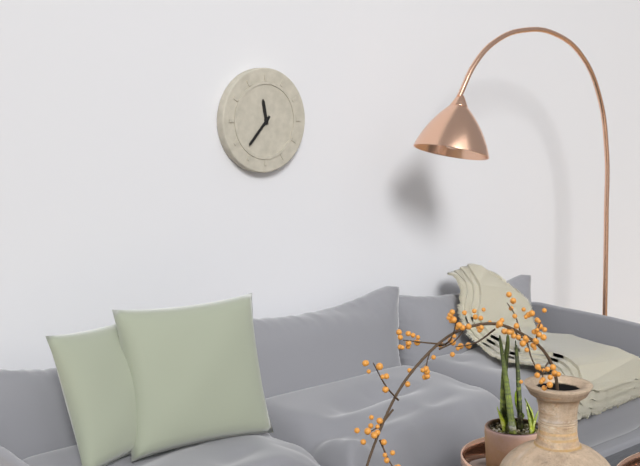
11:37
